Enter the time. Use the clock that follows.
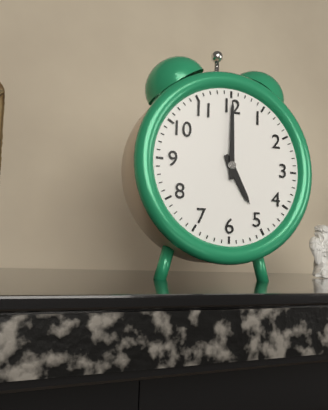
5:00
